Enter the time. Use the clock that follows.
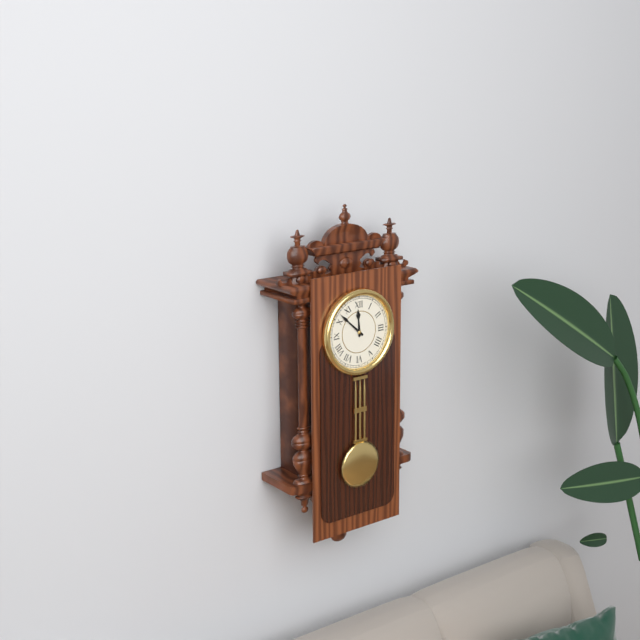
11:52
